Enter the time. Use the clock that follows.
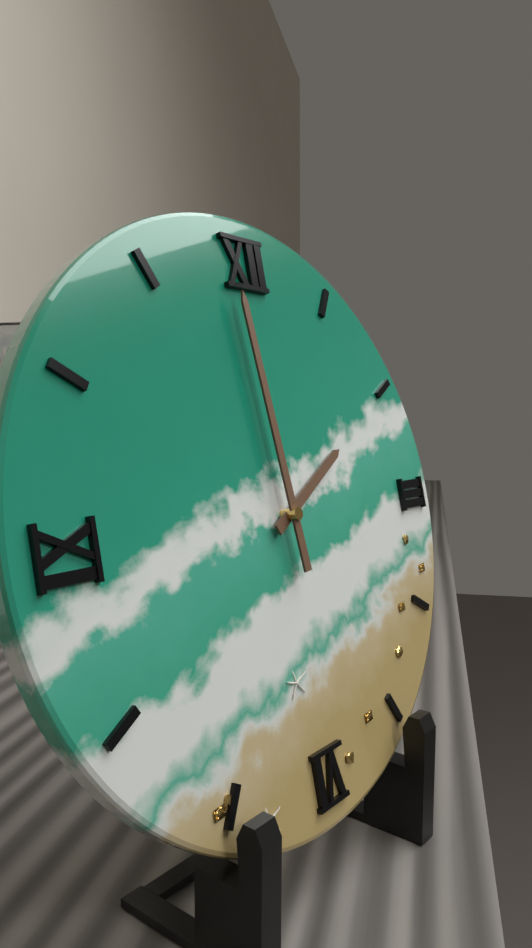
1:59
